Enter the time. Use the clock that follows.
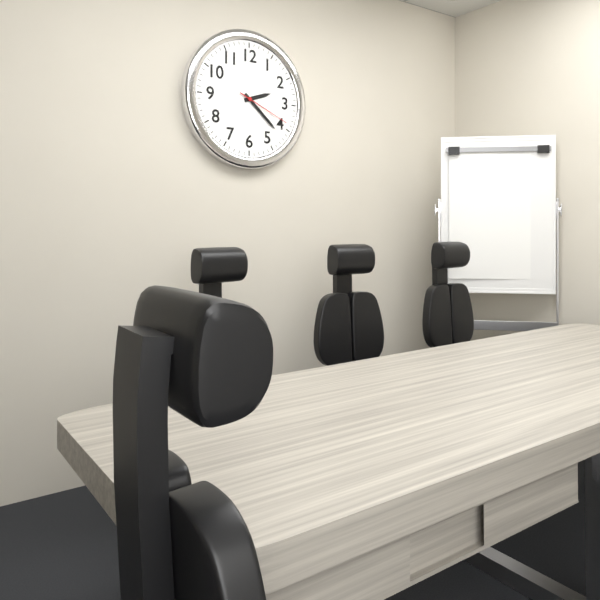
2:22:19
